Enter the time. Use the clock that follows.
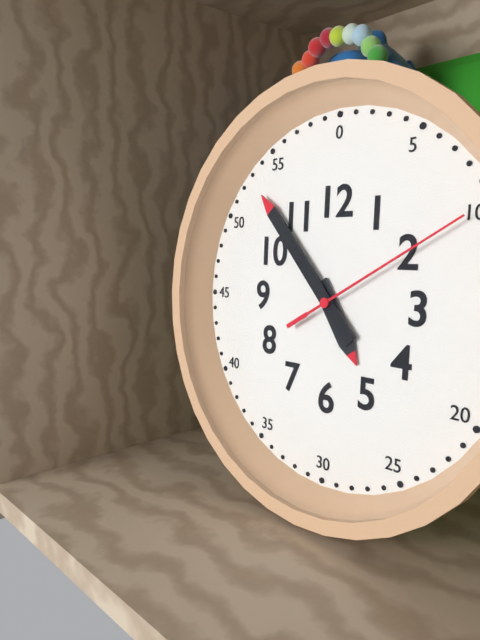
4:53:10
